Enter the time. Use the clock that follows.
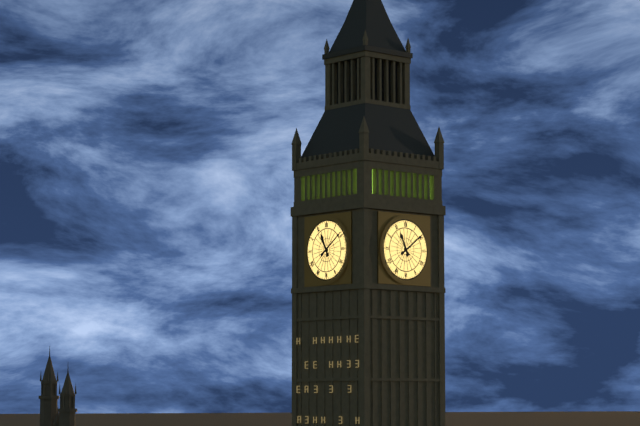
11:09
